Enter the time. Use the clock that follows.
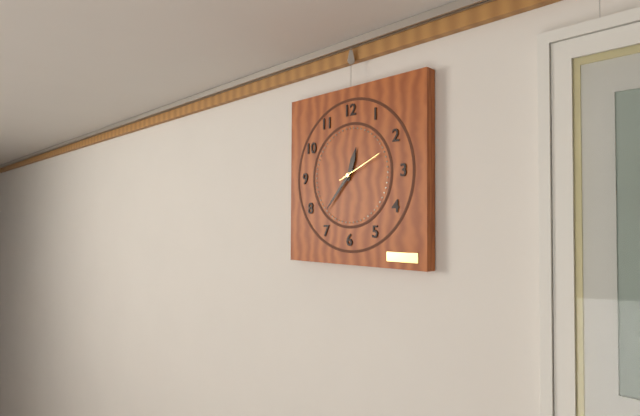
12:37
